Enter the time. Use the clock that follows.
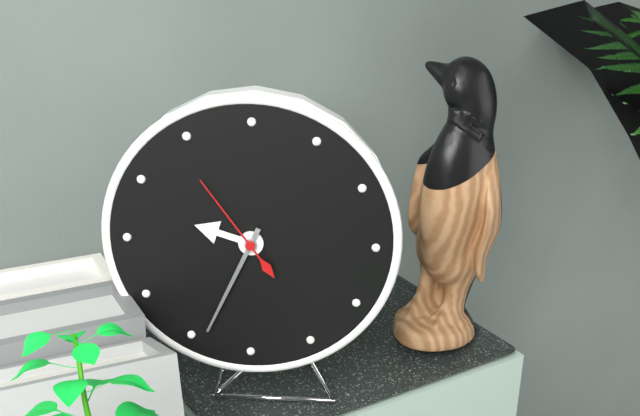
9:34:54
